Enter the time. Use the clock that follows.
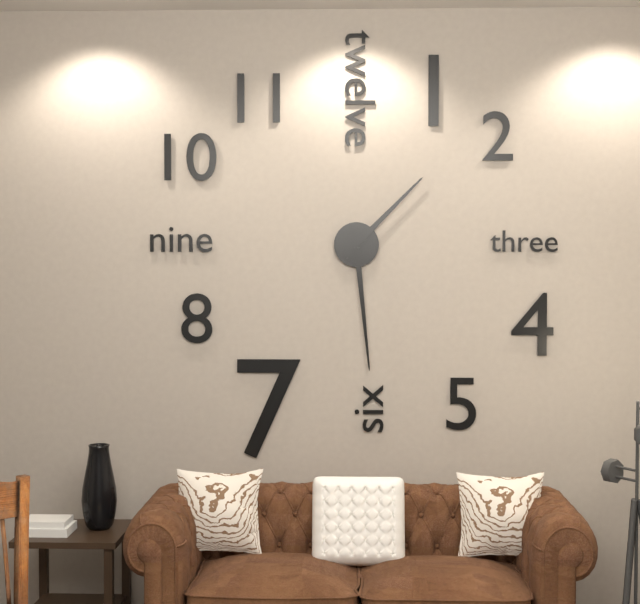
1:29
